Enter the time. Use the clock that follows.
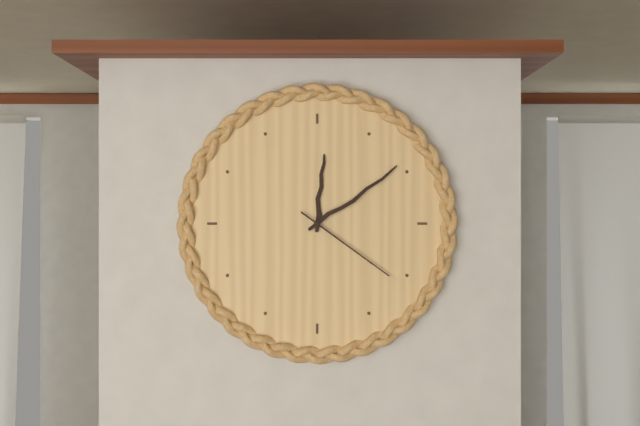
12:09:21
